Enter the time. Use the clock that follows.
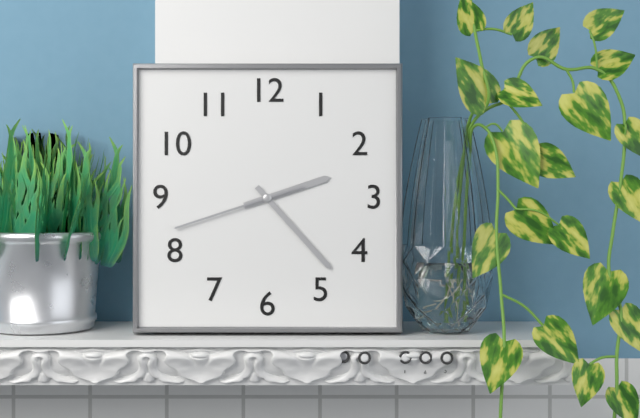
2:23:42
